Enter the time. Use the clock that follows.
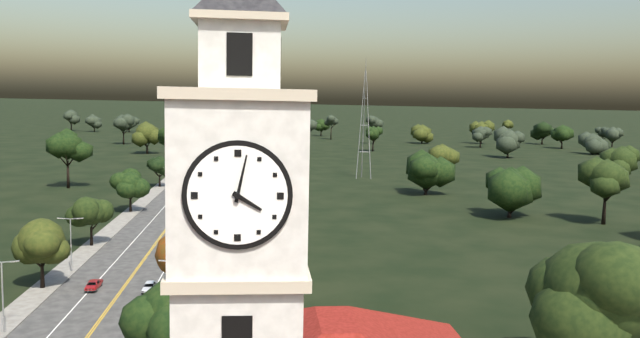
4:02
